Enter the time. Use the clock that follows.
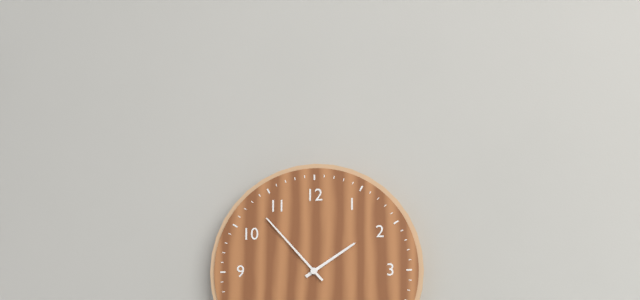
1:53
